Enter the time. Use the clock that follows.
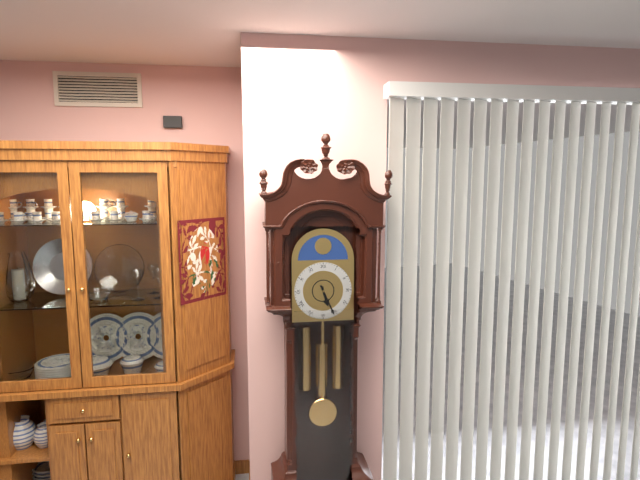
5:26
